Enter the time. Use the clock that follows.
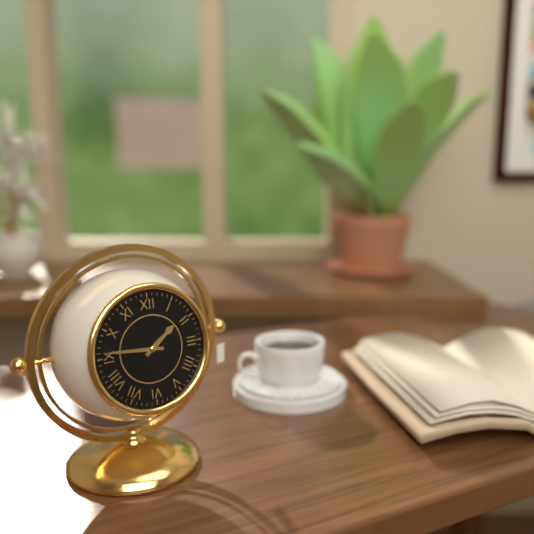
1:46
